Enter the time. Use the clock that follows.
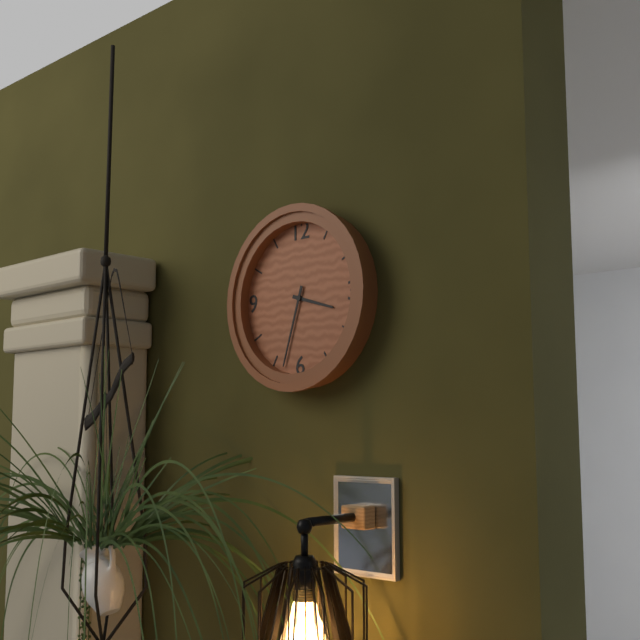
3:33
